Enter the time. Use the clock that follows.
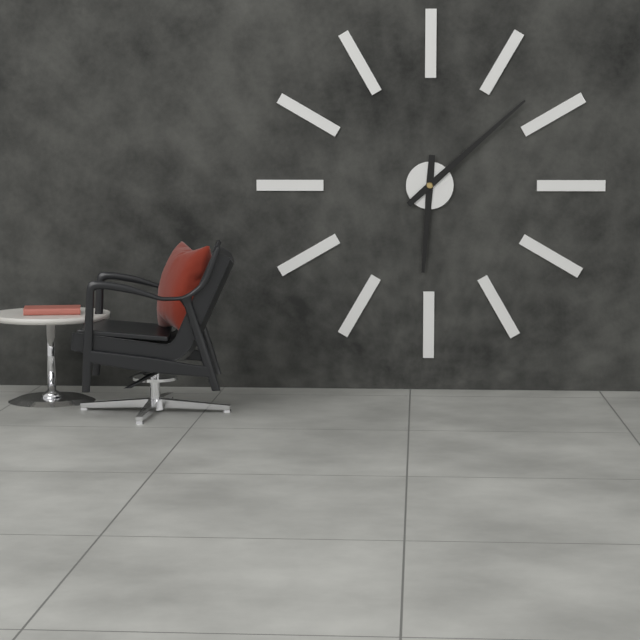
6:08
